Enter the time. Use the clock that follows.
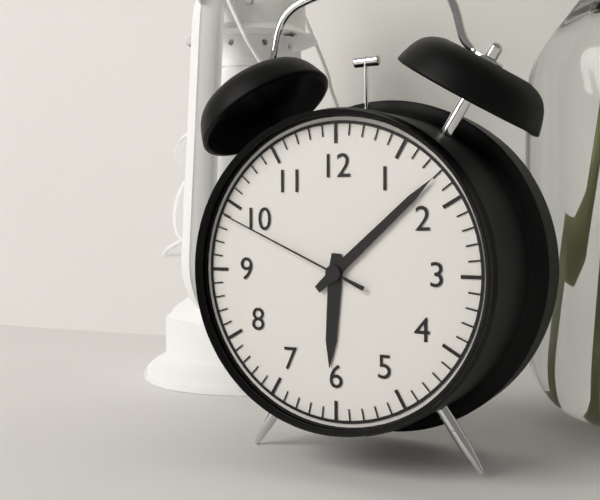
6:08:49
